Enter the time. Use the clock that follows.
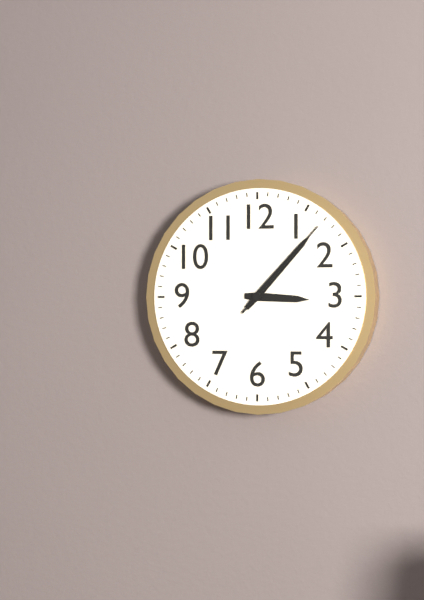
3:07:07
